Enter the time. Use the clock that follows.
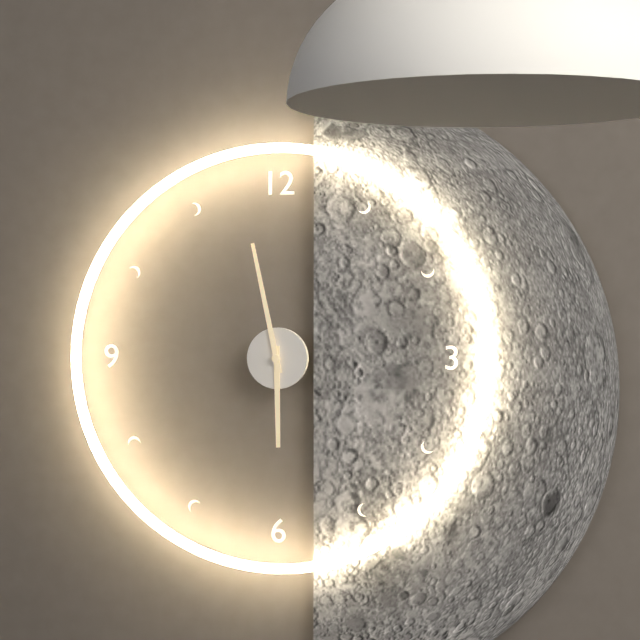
5:58
